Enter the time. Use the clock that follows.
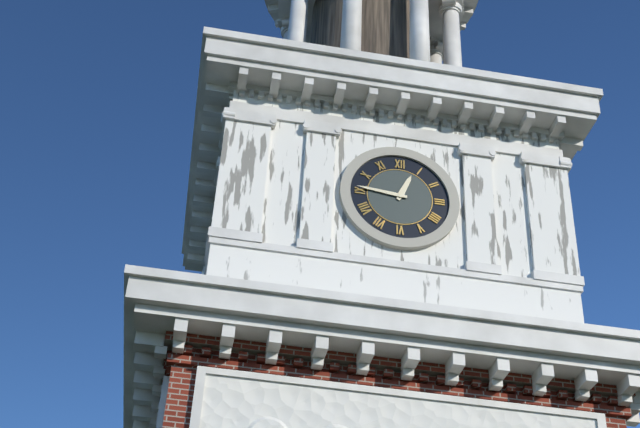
12:46
